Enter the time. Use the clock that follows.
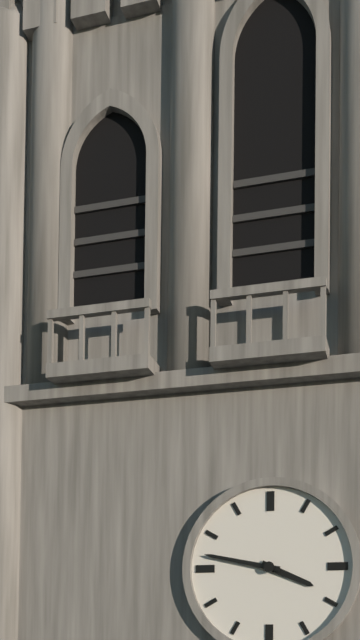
3:47
